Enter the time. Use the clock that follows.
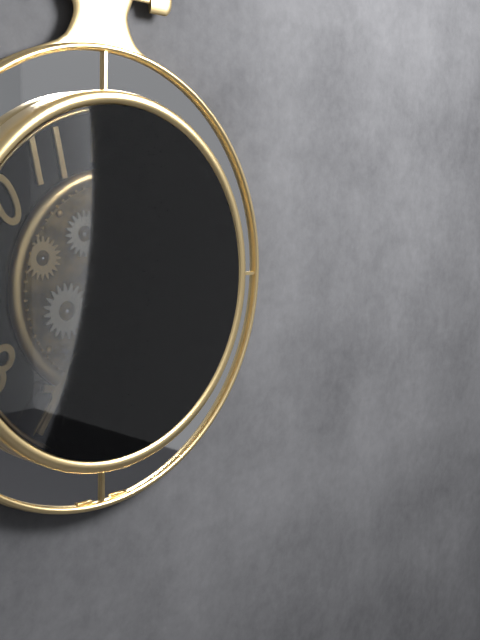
2:36
